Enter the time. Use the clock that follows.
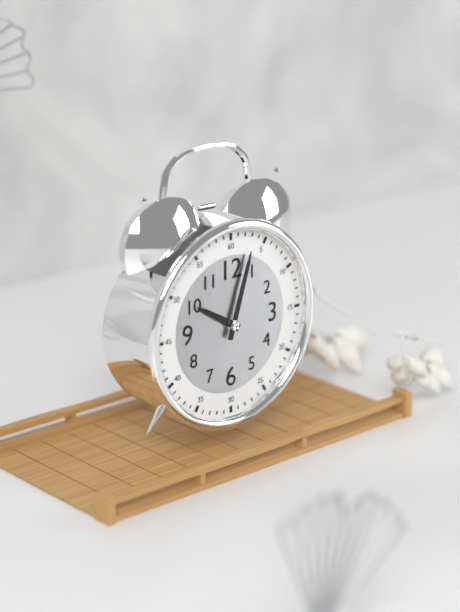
10:03
